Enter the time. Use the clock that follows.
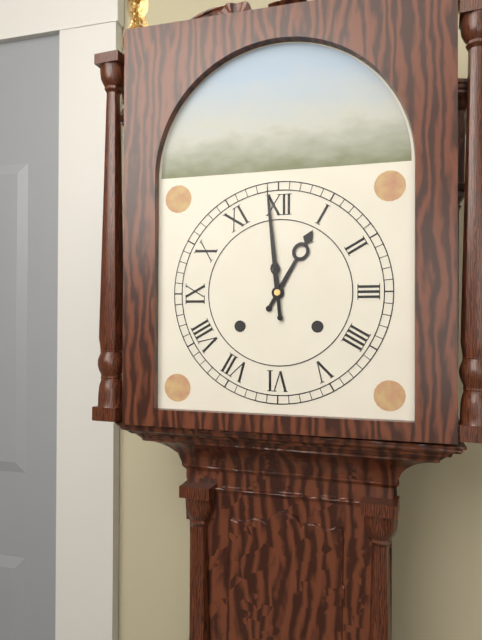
12:59
